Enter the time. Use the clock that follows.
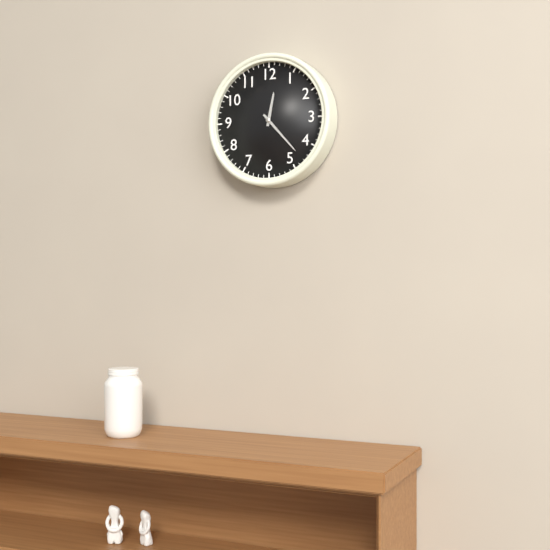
12:23
